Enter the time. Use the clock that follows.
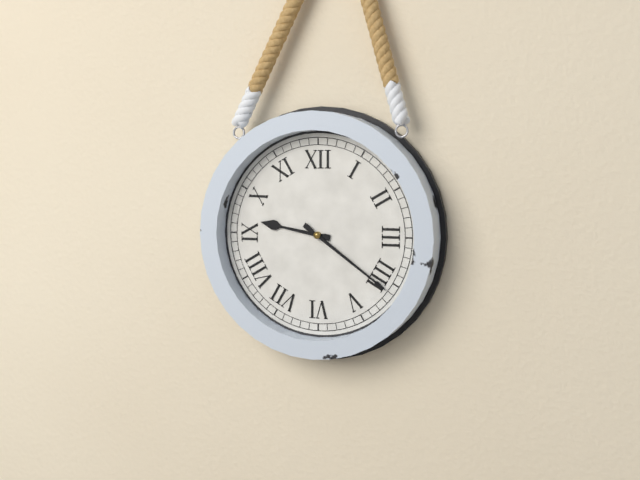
9:21
